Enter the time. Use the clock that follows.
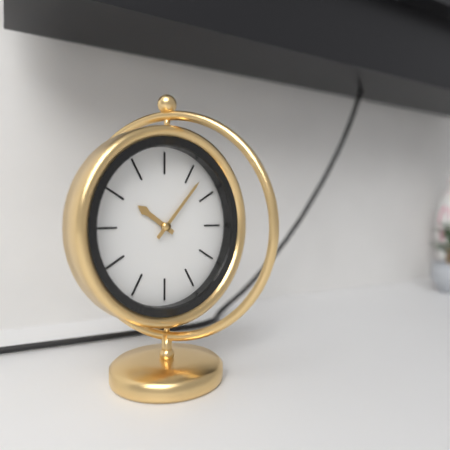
10:07
